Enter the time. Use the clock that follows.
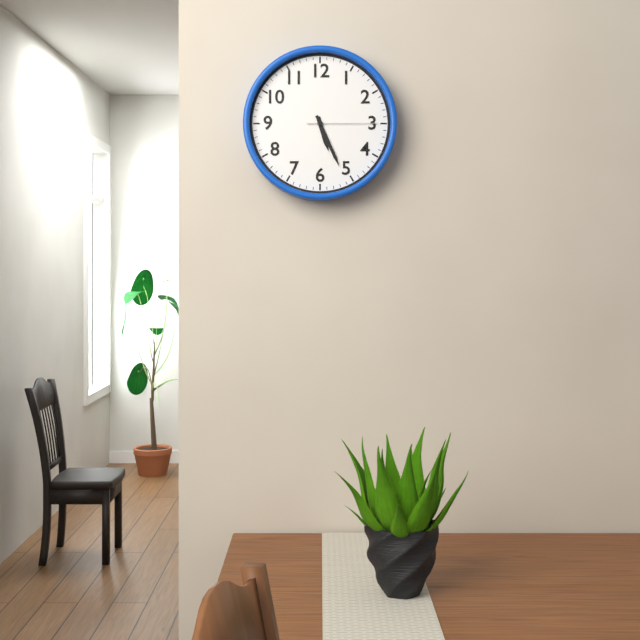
5:26:15
